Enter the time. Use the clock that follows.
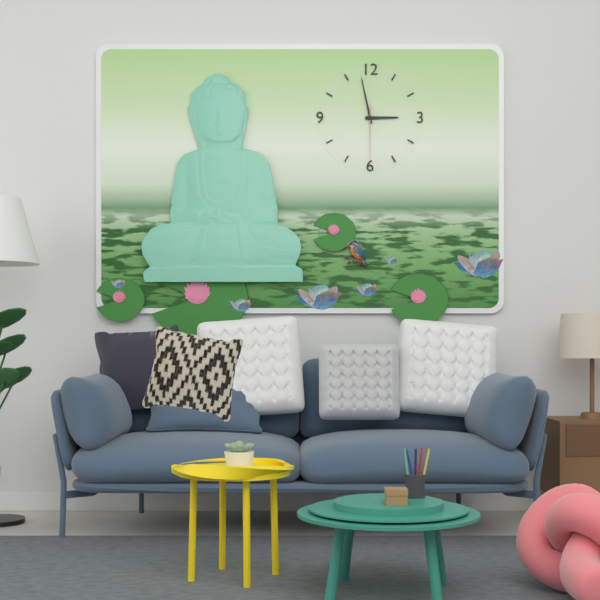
2:58:30
